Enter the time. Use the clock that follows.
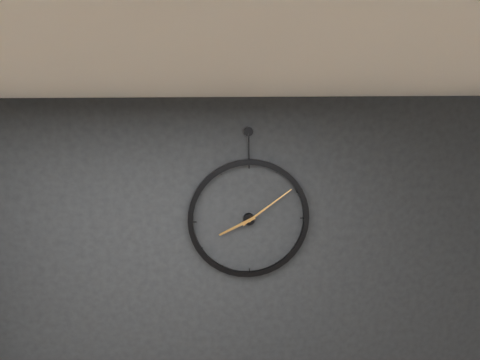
8:09
